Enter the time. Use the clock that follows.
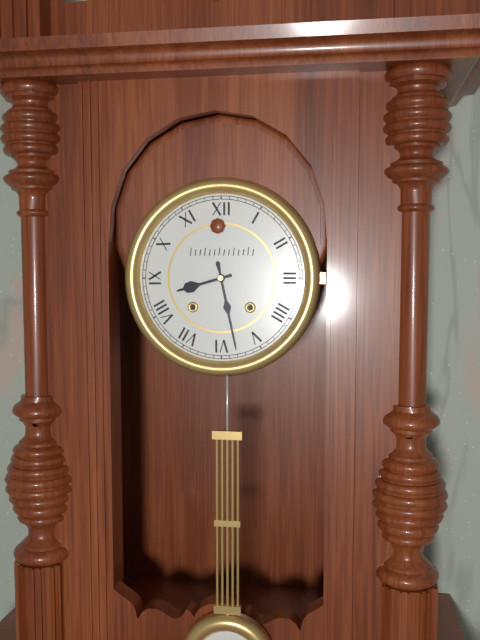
8:28
